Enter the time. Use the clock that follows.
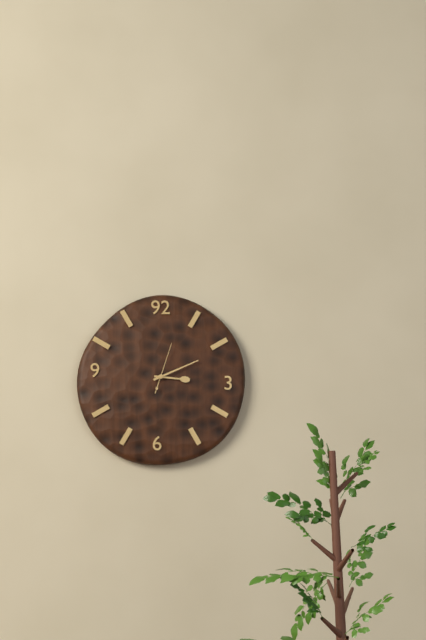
3:11
